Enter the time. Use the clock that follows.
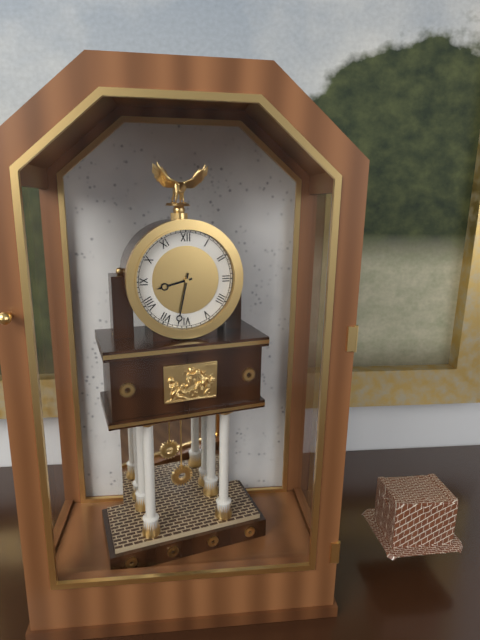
8:32
